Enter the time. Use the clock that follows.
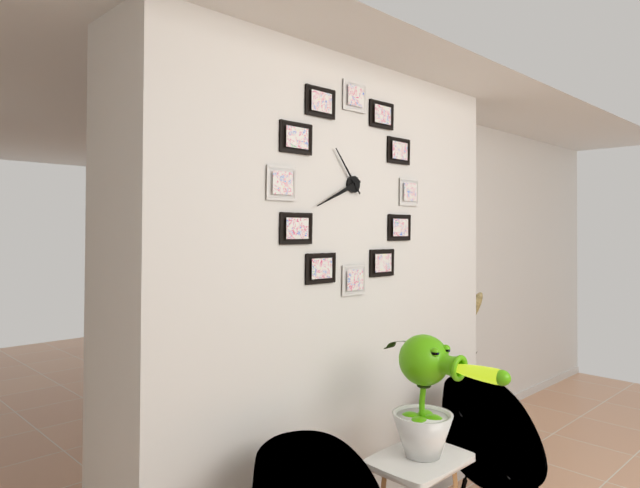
10:41
